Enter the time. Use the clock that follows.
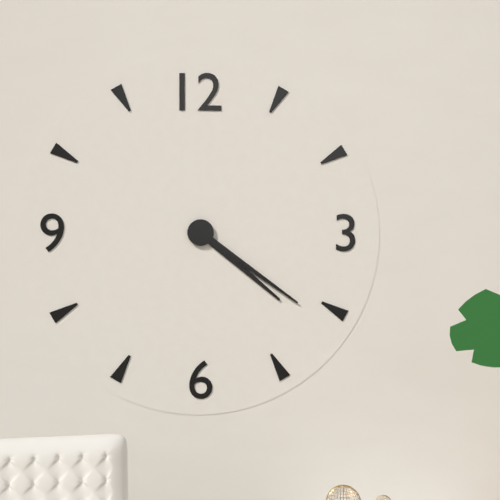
4:21
